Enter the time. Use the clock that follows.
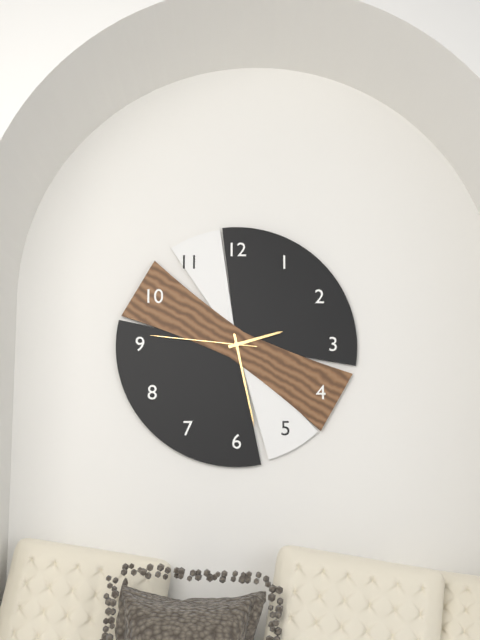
2:28:46
